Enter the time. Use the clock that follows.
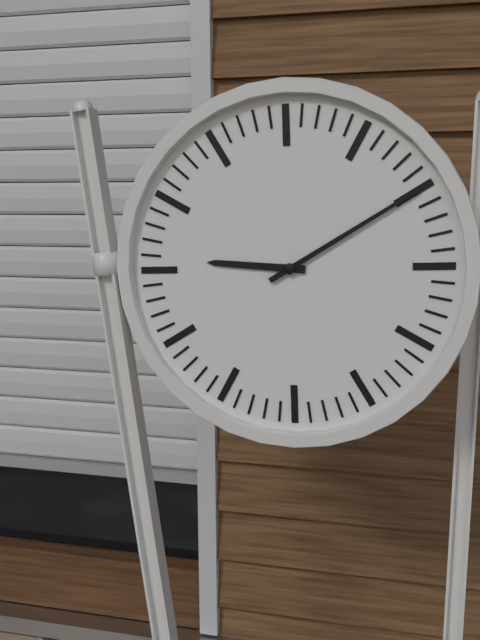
9:10
